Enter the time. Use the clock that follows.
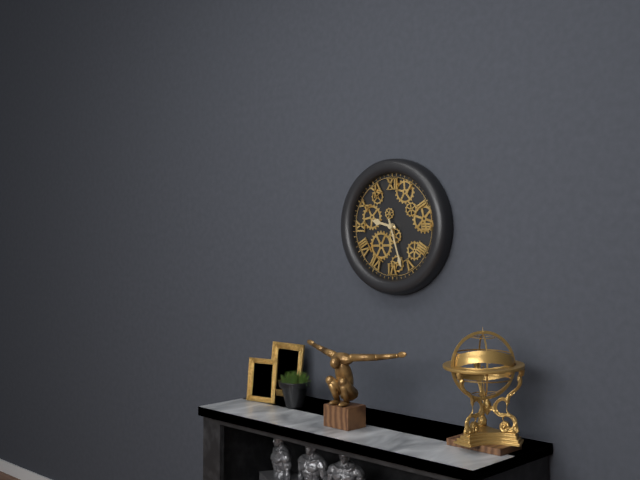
9:27
